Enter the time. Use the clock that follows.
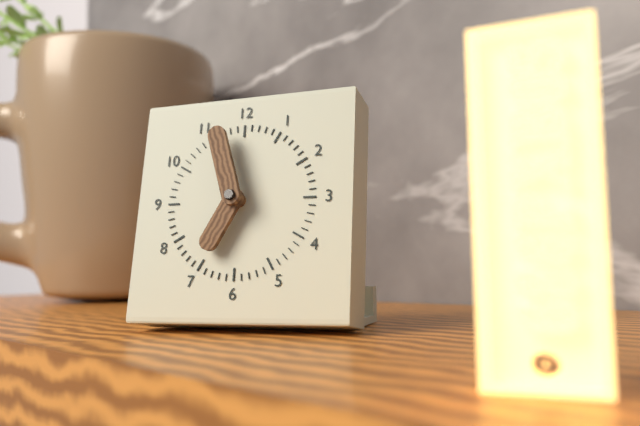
6:57
